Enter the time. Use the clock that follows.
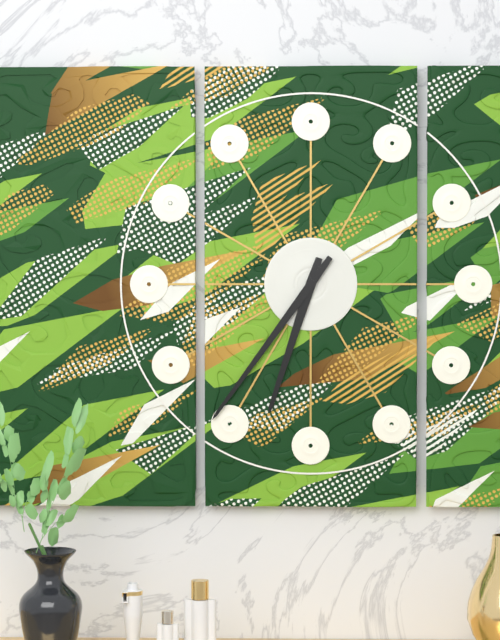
6:36
